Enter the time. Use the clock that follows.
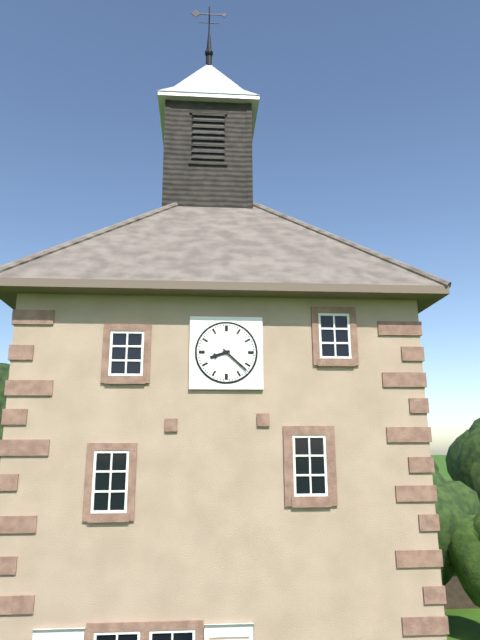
8:22
